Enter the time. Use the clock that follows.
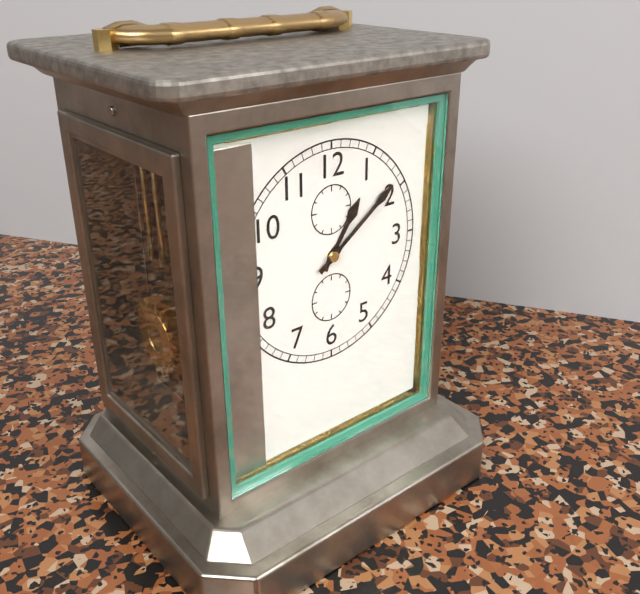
1:09
